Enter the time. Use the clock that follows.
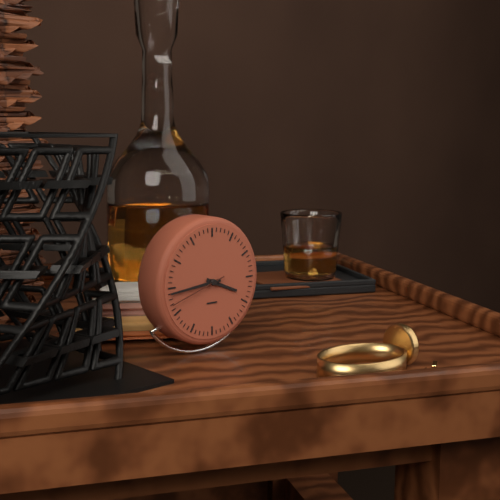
3:44:42
